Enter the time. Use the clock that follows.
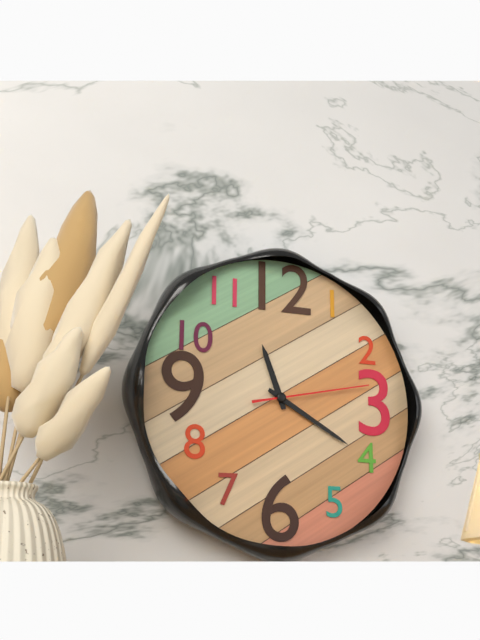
11:20:13
